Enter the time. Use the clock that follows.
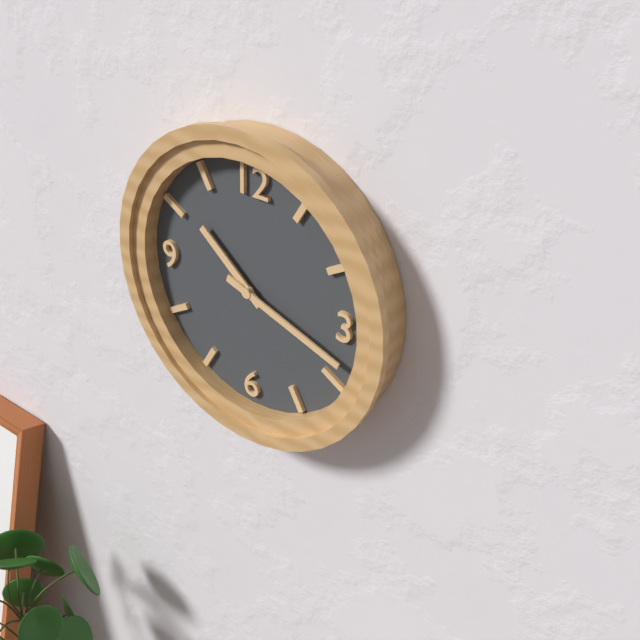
10:18
